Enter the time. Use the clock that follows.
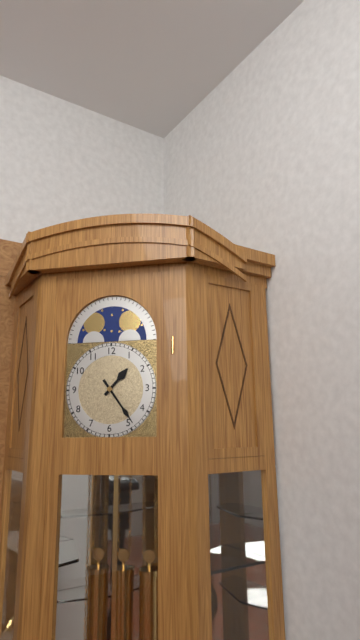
1:24
